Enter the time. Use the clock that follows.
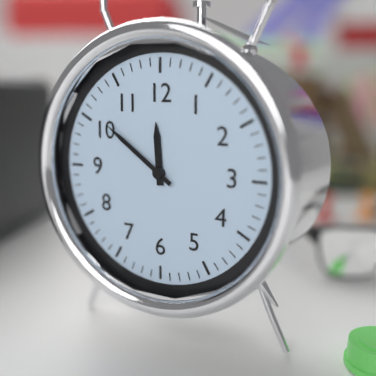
11:51
